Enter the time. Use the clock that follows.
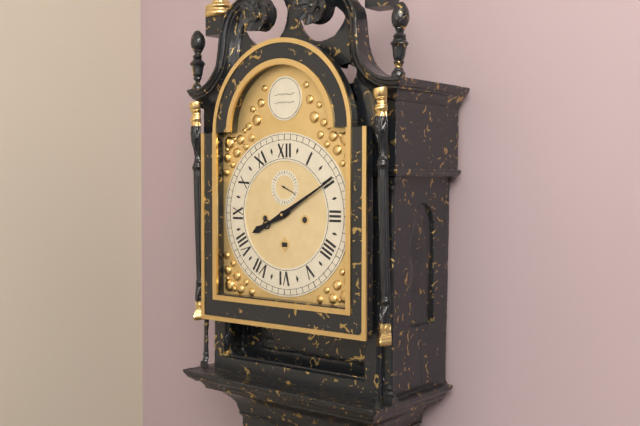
8:10
